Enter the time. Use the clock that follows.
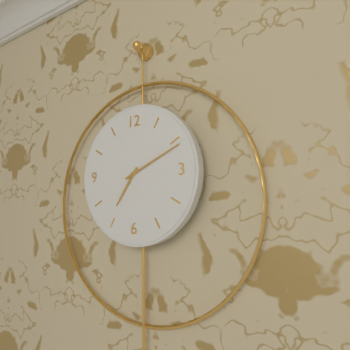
7:11
